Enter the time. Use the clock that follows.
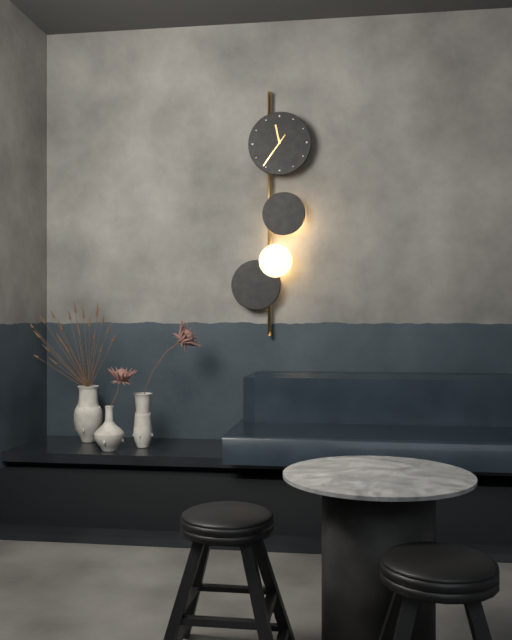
11:36
